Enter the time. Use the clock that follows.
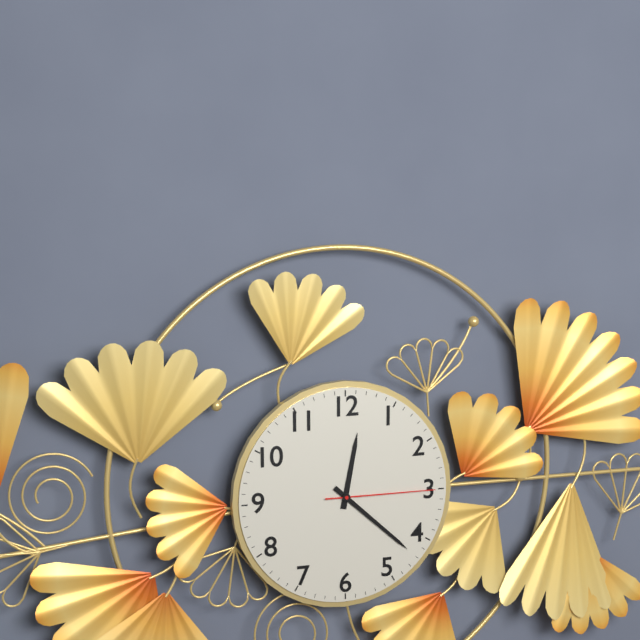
12:22:15
